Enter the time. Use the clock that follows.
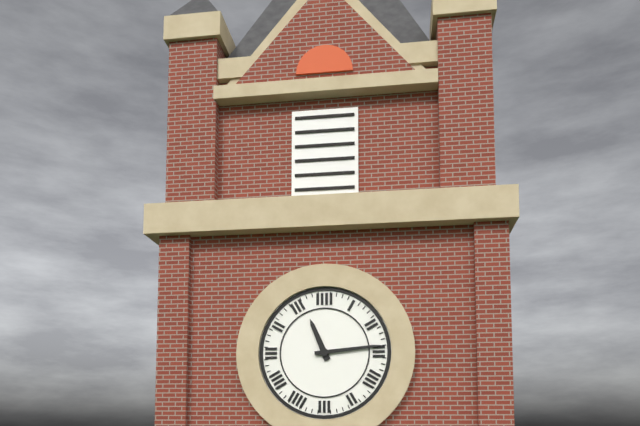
11:14
